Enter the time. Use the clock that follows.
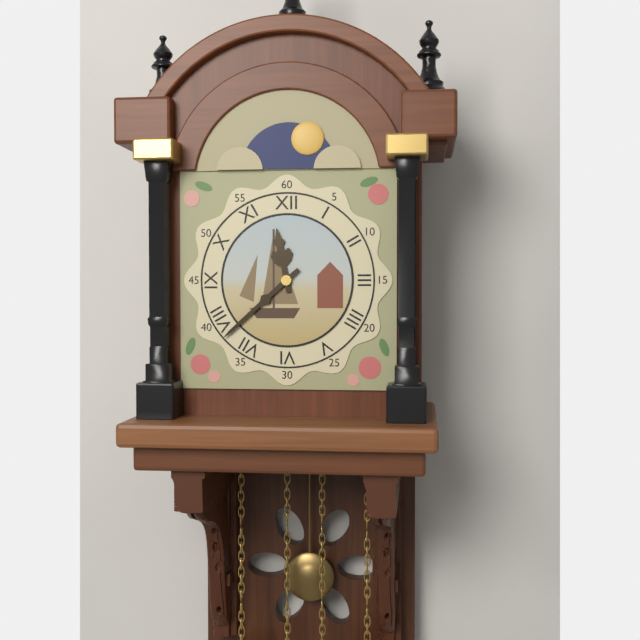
11:38
